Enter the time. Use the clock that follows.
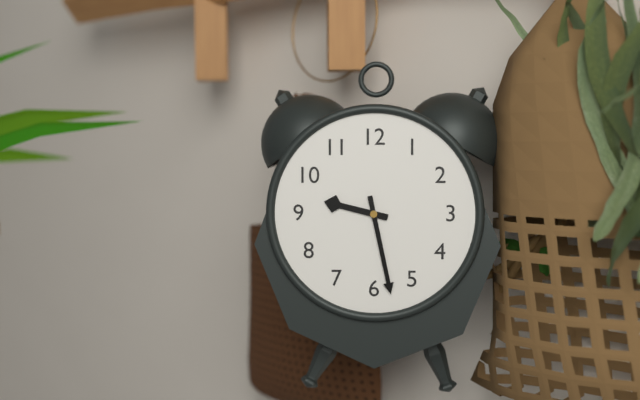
9:28
